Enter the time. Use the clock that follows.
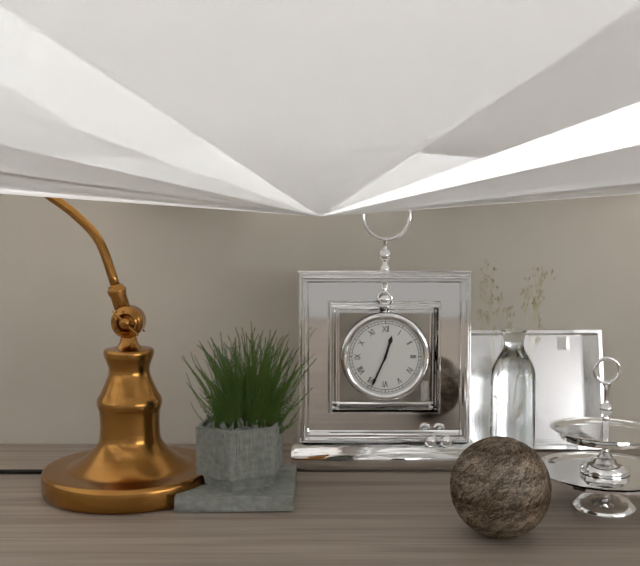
12:34
